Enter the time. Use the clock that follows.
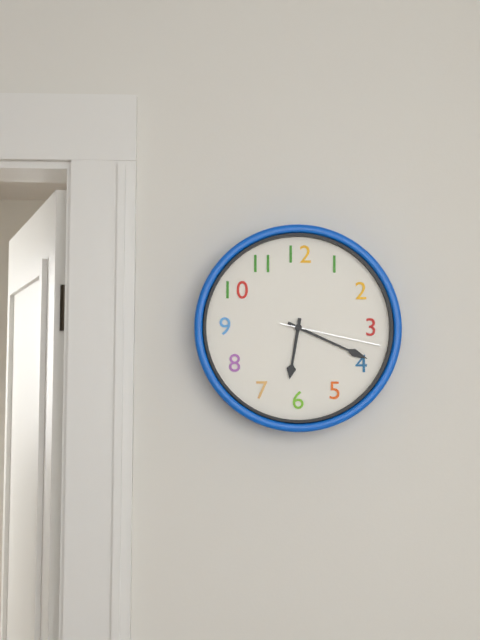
6:19:17
